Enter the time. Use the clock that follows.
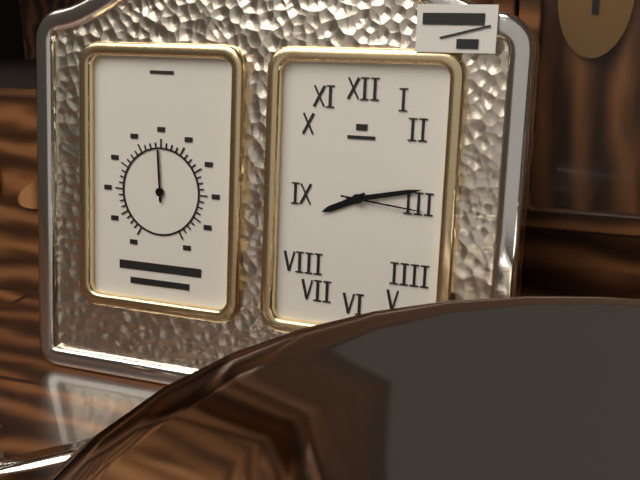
8:13:16
